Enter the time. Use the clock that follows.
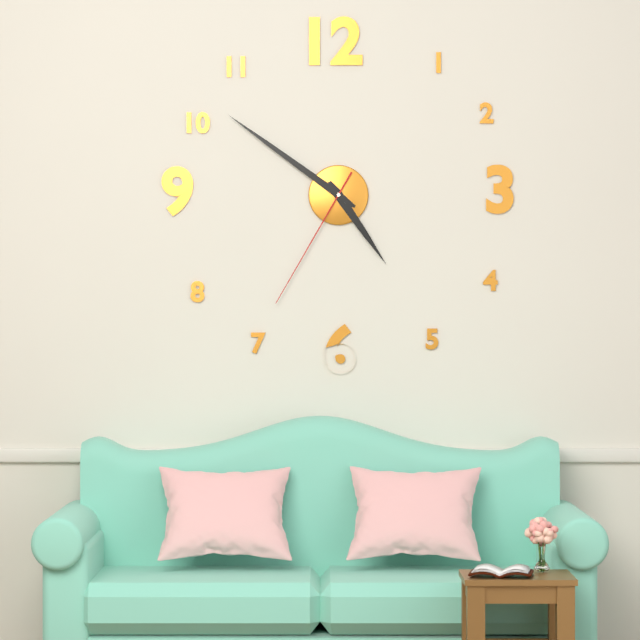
4:51:35
